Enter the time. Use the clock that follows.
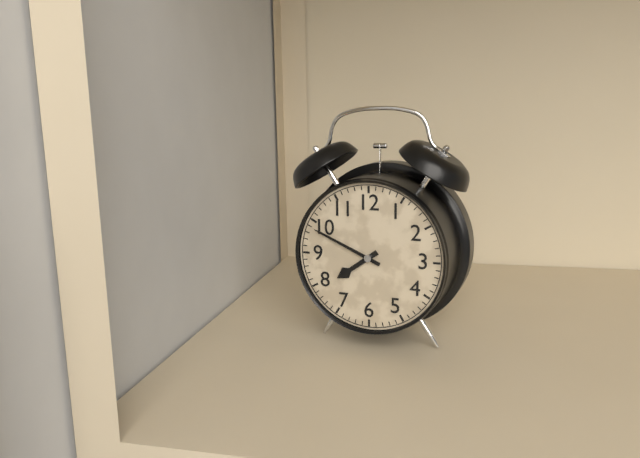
7:49
